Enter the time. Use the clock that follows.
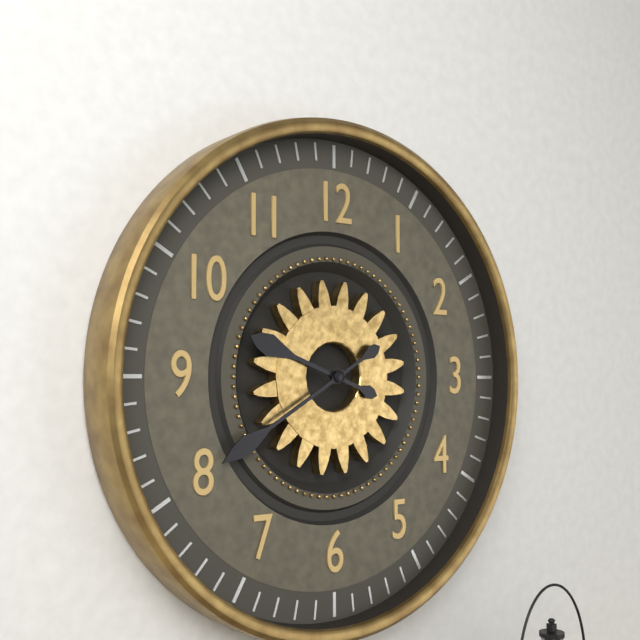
9:40
